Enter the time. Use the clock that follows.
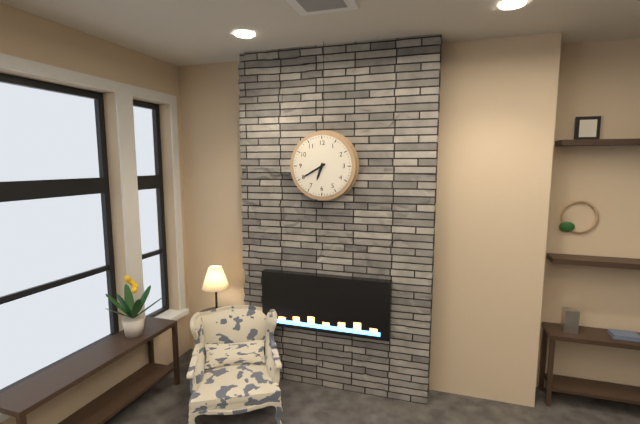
6:40
